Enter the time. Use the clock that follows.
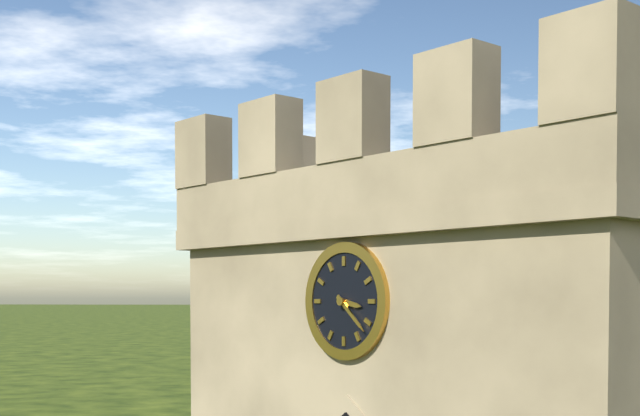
3:22
